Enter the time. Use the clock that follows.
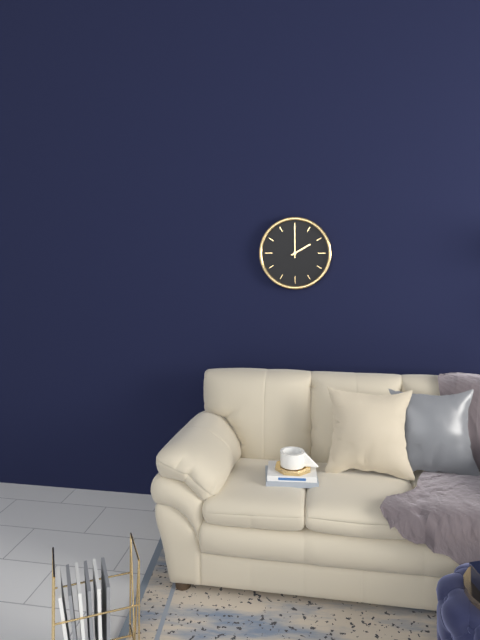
2:00
